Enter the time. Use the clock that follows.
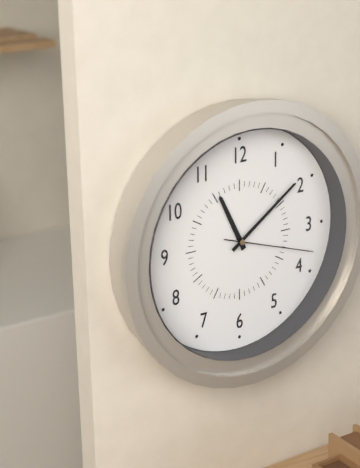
11:09:18
